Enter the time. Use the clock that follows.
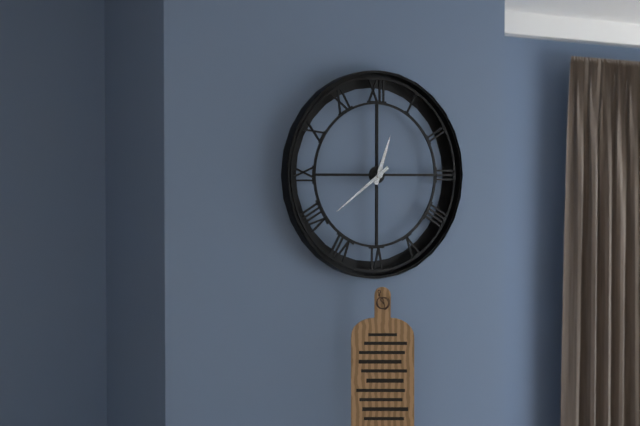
12:39
